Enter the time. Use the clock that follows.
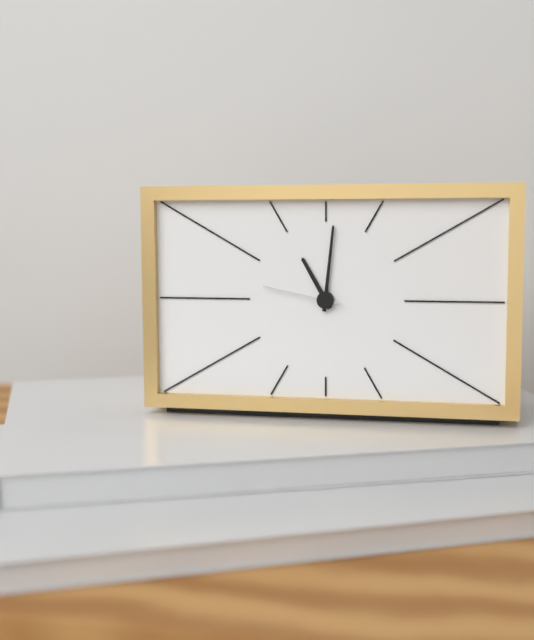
11:01:47
